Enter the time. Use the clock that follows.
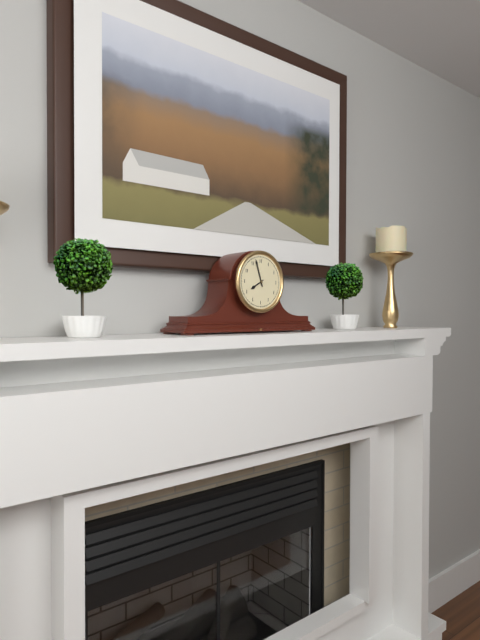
7:57
